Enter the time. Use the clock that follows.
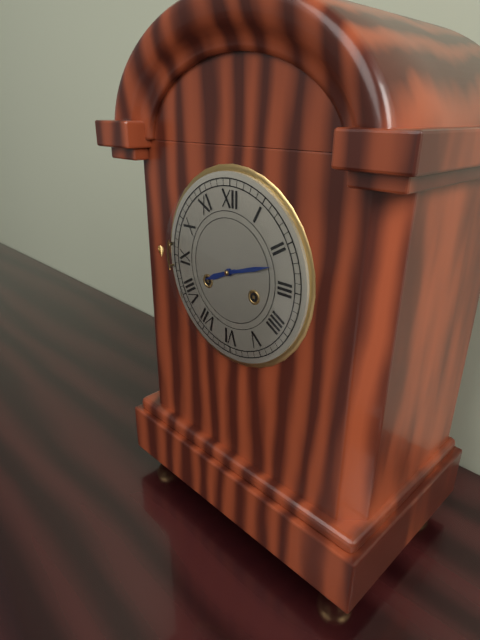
8:12
